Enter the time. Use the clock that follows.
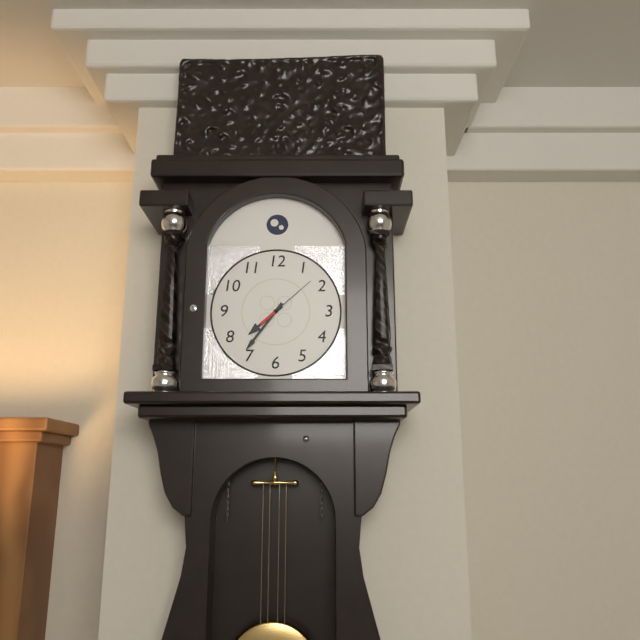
7:36:08
